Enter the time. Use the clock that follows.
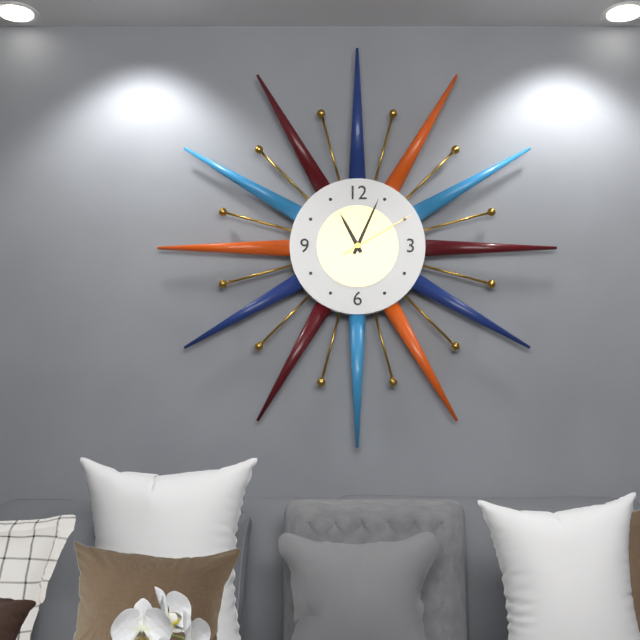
11:04:10
